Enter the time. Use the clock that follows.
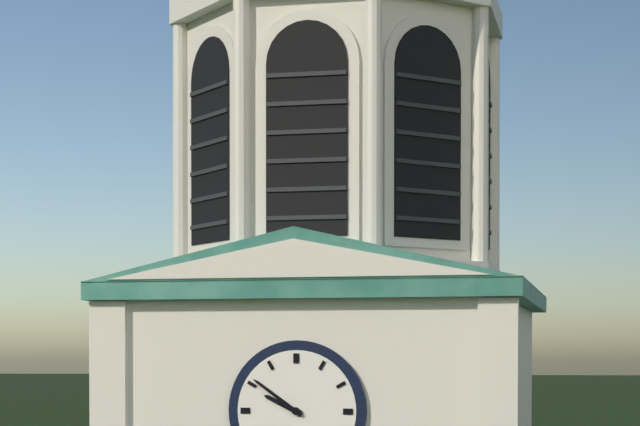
9:51
